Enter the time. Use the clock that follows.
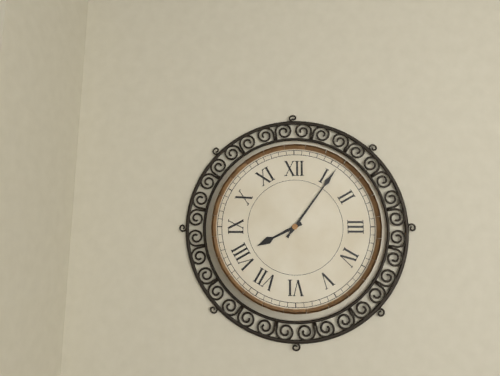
8:06
